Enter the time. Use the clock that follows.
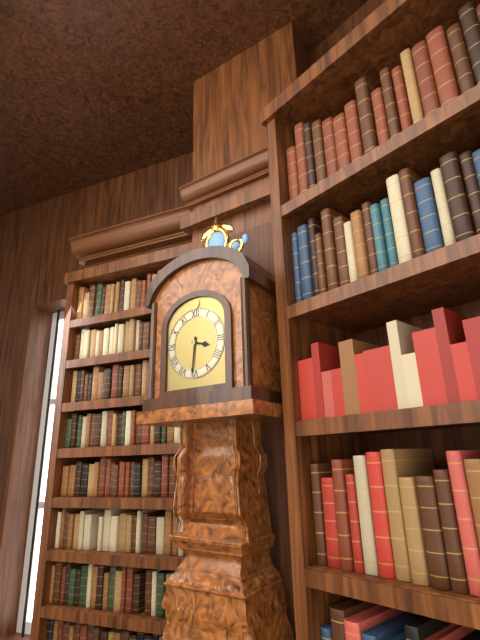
3:31
